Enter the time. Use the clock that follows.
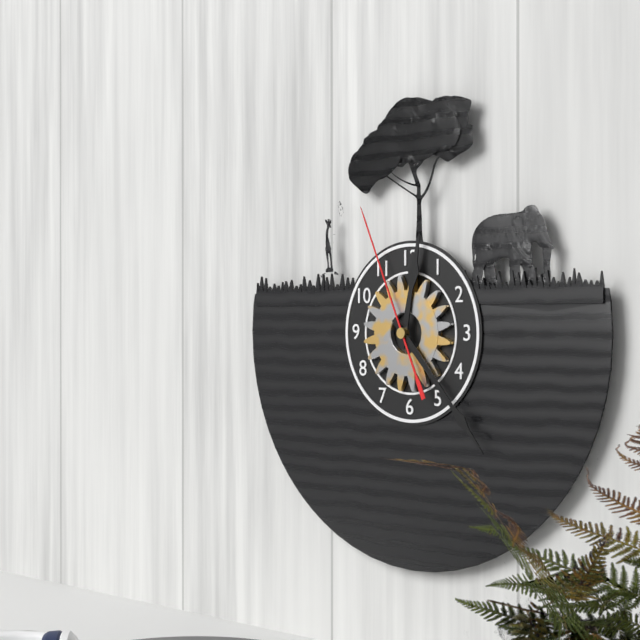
12:23:56
